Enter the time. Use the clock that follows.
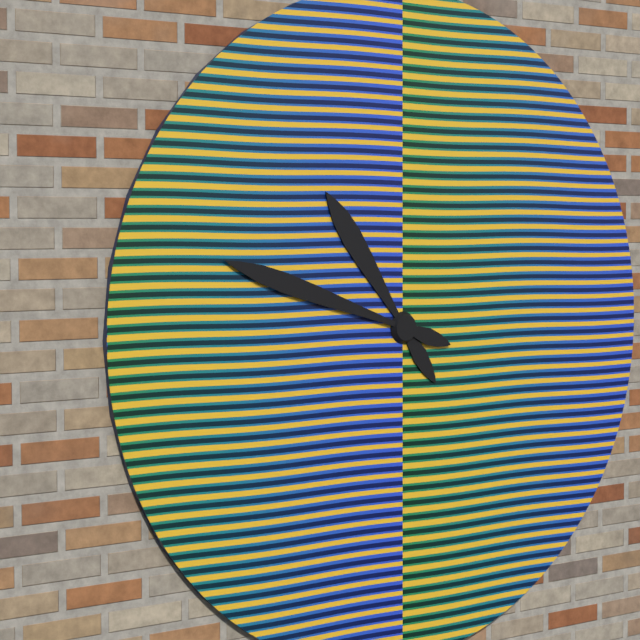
10:48
